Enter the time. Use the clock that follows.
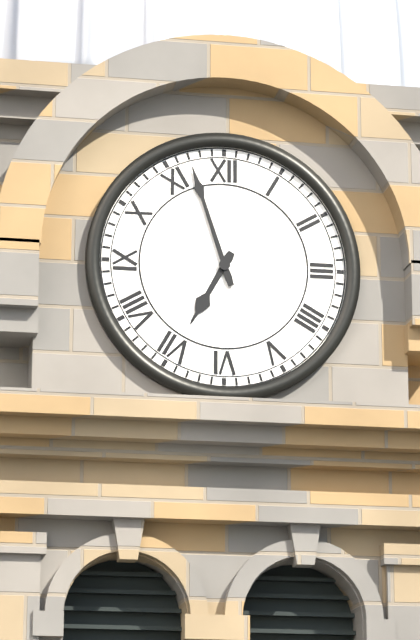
6:57
